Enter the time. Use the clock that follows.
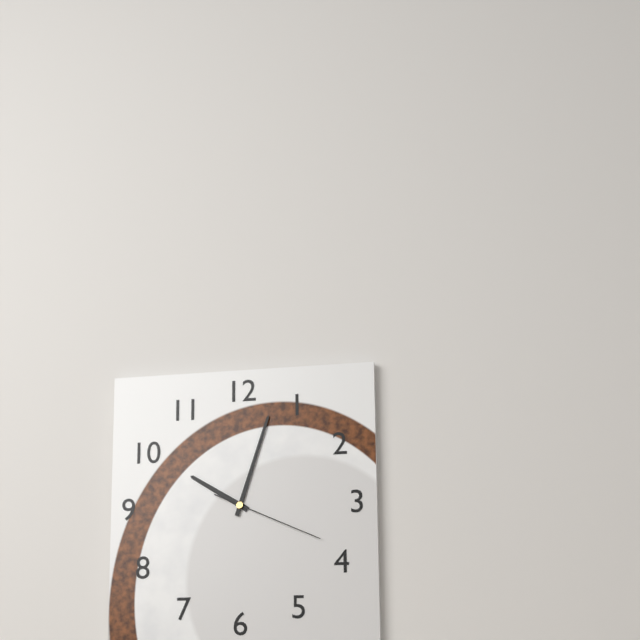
10:03:19
